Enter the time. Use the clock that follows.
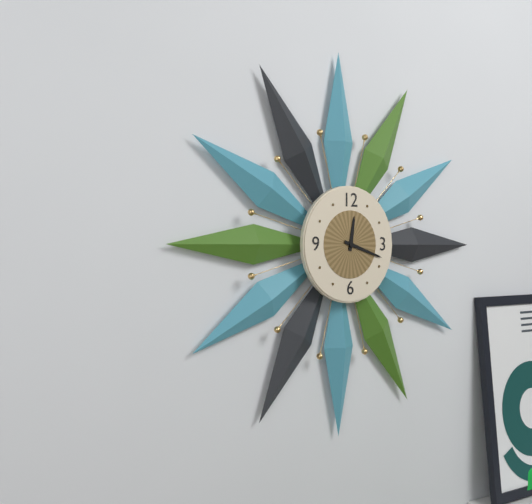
12:18
